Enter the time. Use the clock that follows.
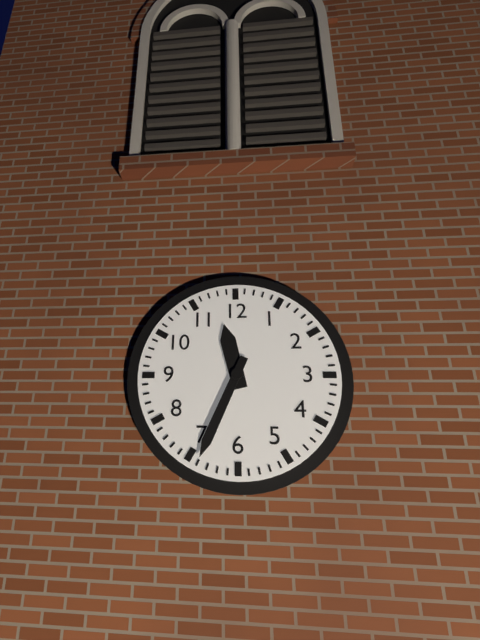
11:34
